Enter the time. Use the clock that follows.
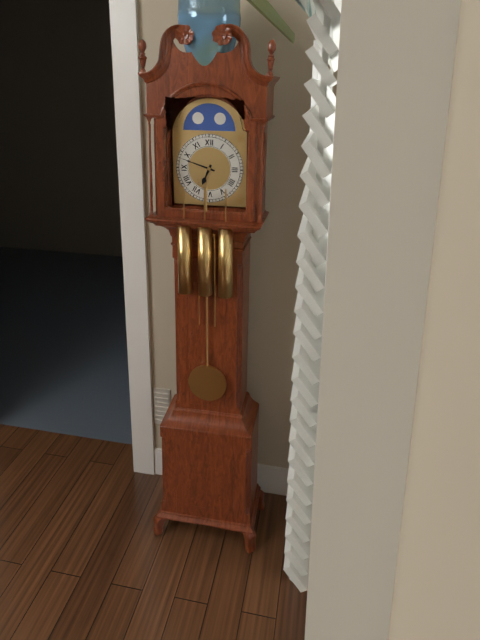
6:48
